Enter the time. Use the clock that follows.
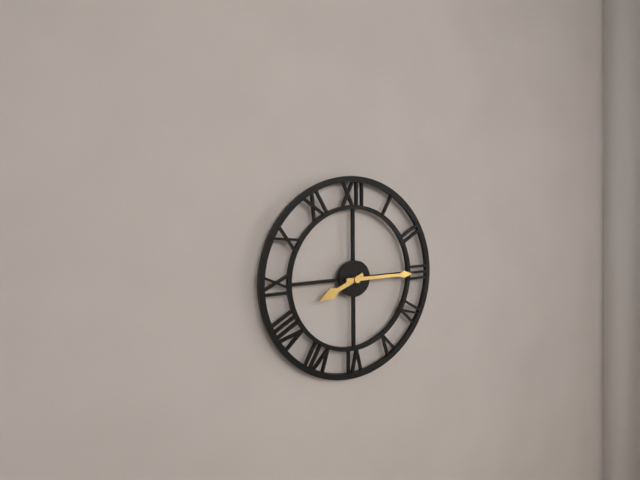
8:15
